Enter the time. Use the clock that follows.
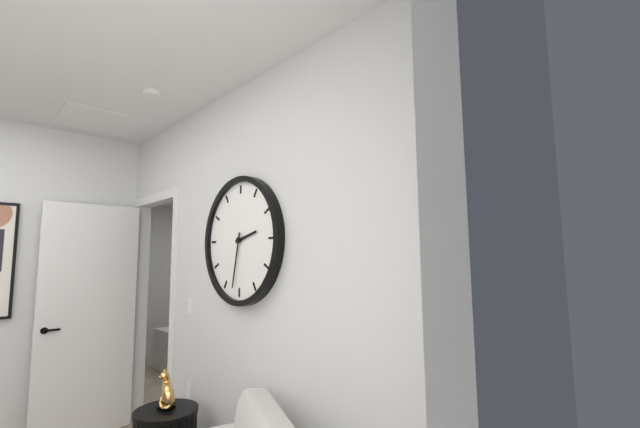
2:32
